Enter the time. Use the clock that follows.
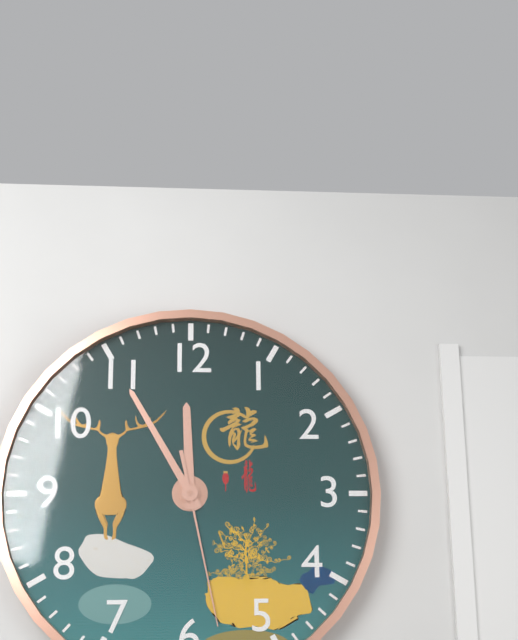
11:55:28
